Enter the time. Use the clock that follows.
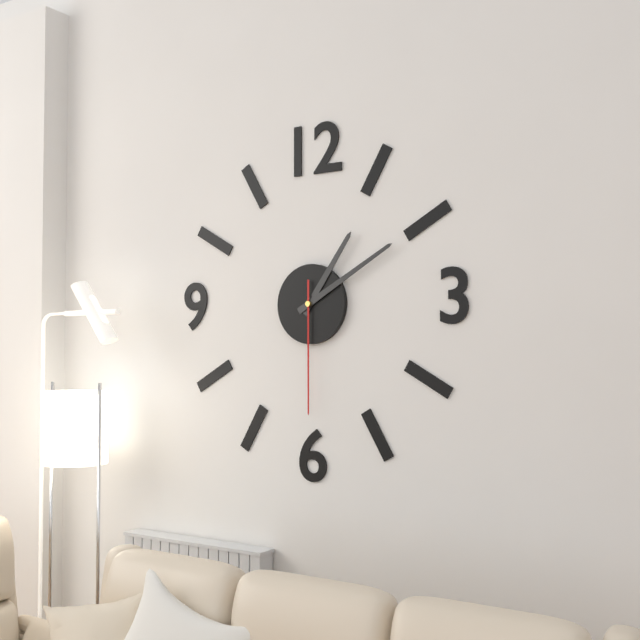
1:10:30
